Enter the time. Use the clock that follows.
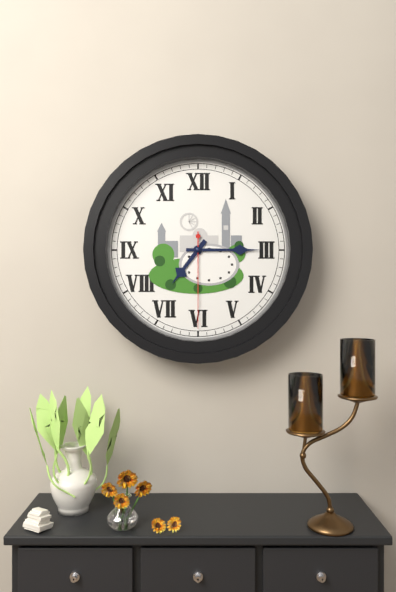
7:15:30
